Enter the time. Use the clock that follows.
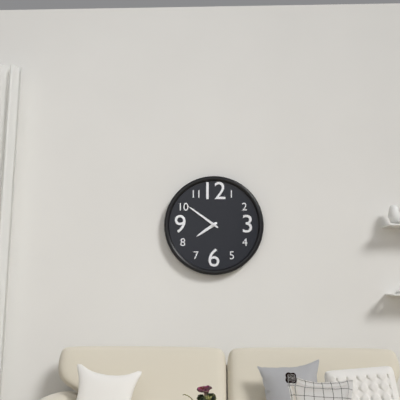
7:51
